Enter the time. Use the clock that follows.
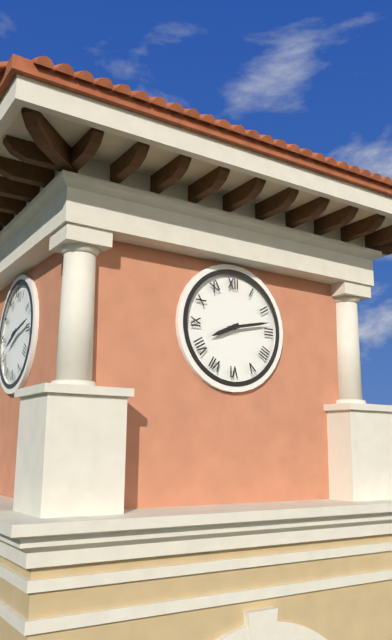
8:13
